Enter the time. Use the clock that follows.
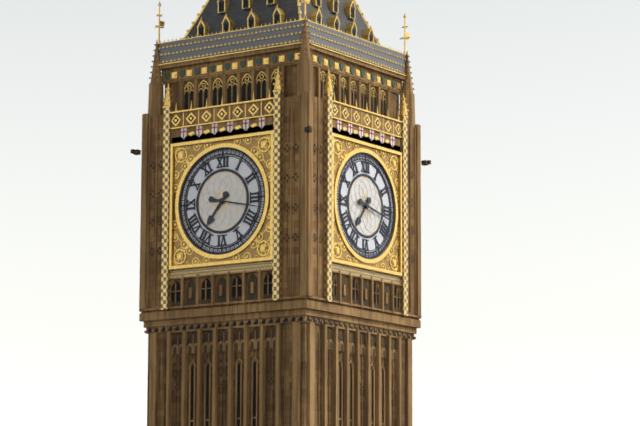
7:17
